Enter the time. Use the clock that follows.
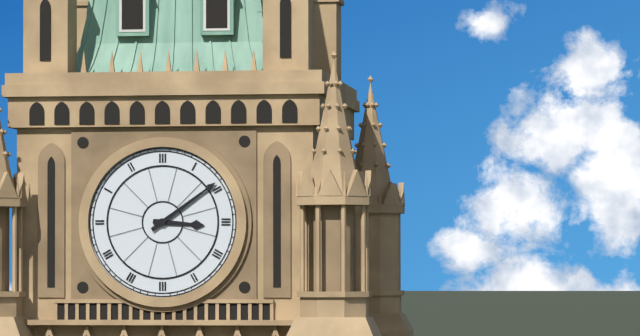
3:09
